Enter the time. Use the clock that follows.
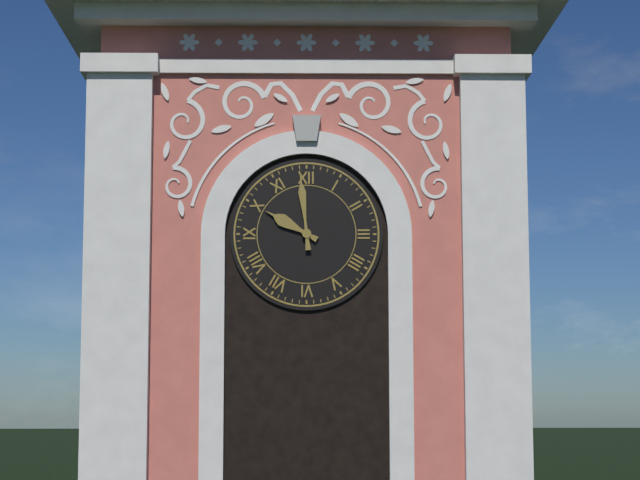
9:59
